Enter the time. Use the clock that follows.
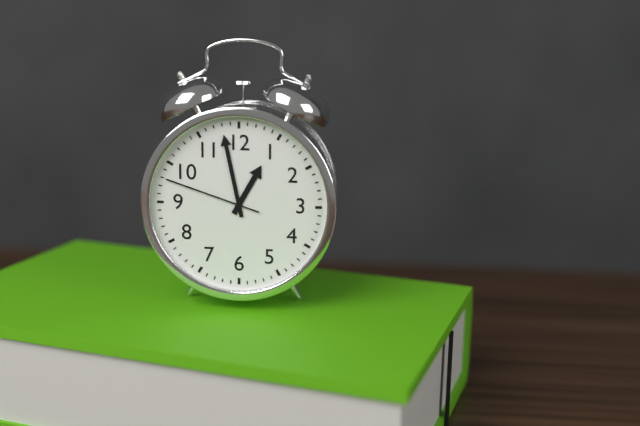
12:58:48
